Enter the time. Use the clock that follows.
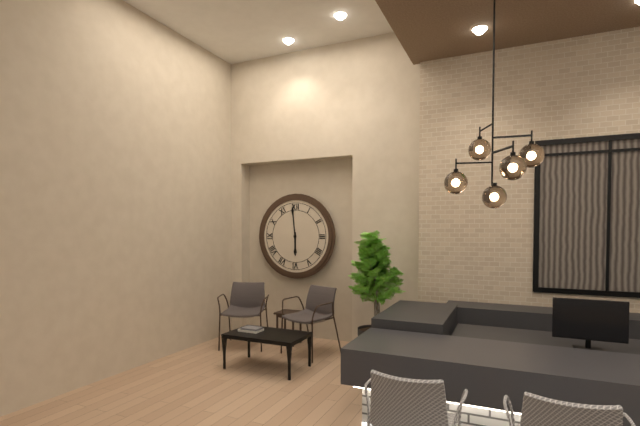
5:59
